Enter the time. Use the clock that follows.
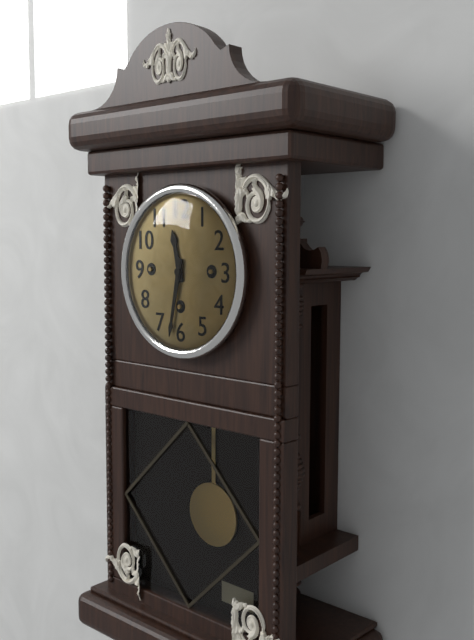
11:32
